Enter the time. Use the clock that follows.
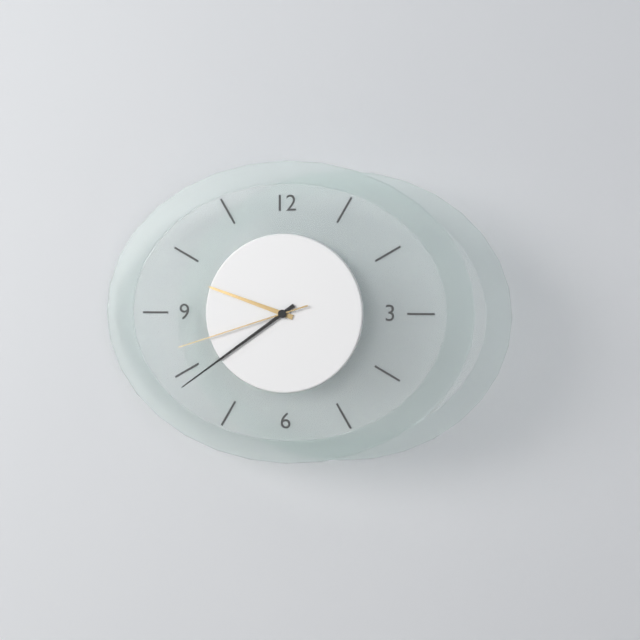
9:39:42
